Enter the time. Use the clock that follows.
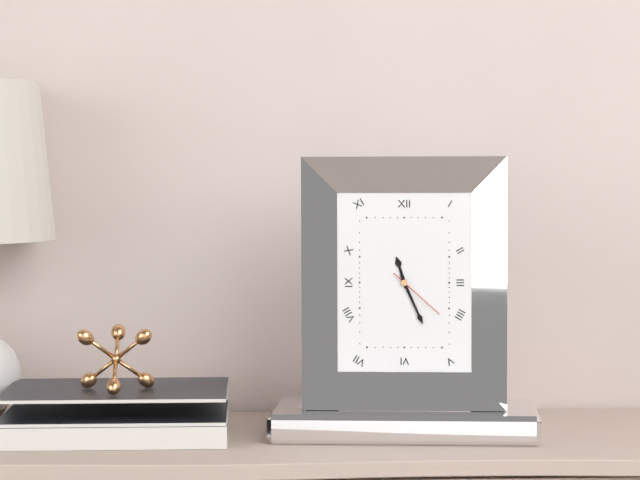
11:26:22
